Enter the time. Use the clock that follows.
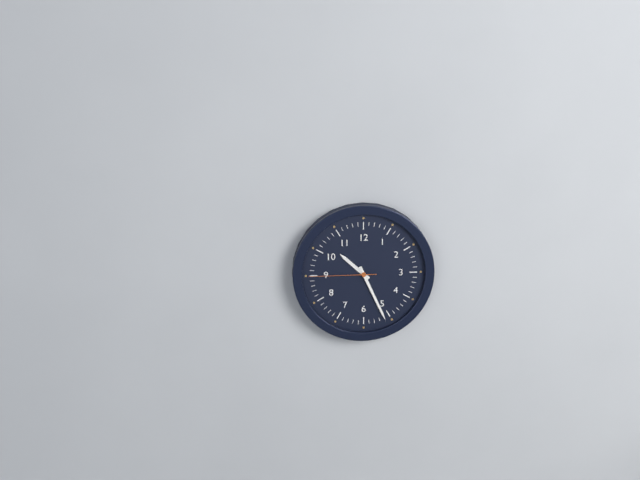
10:26:45
